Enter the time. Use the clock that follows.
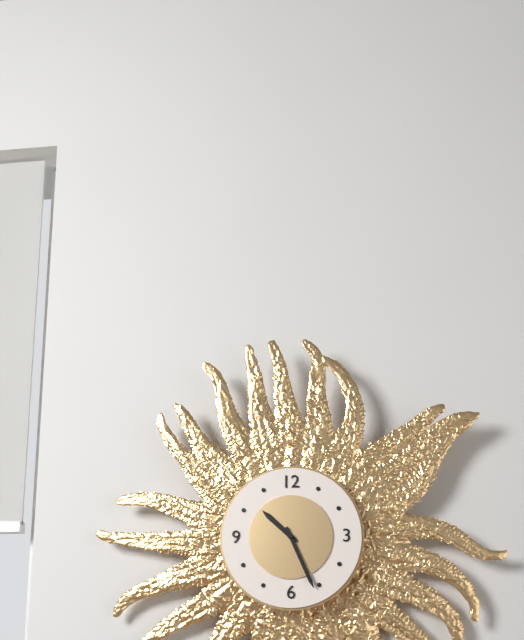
10:26
